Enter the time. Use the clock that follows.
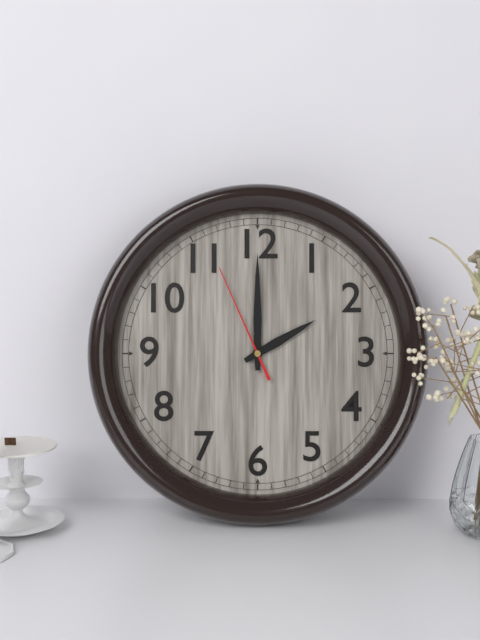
2:00:56
